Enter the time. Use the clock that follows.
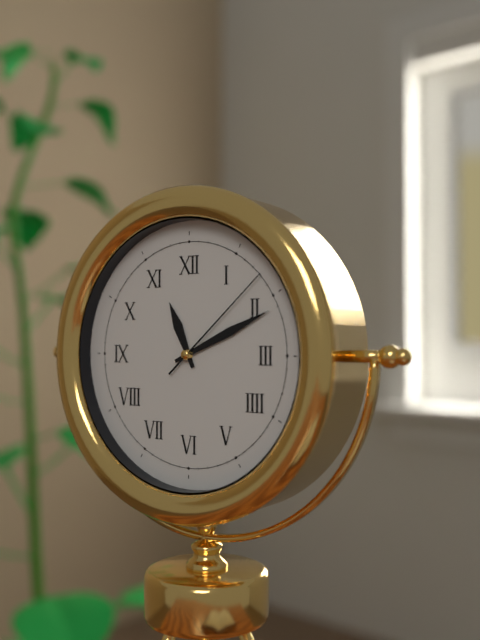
11:11:08
